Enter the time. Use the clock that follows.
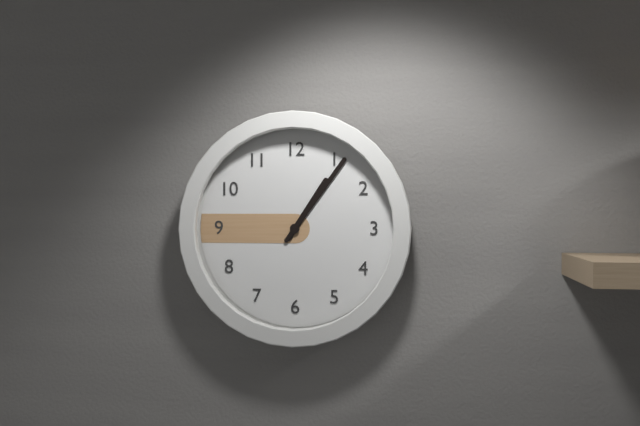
1:06
